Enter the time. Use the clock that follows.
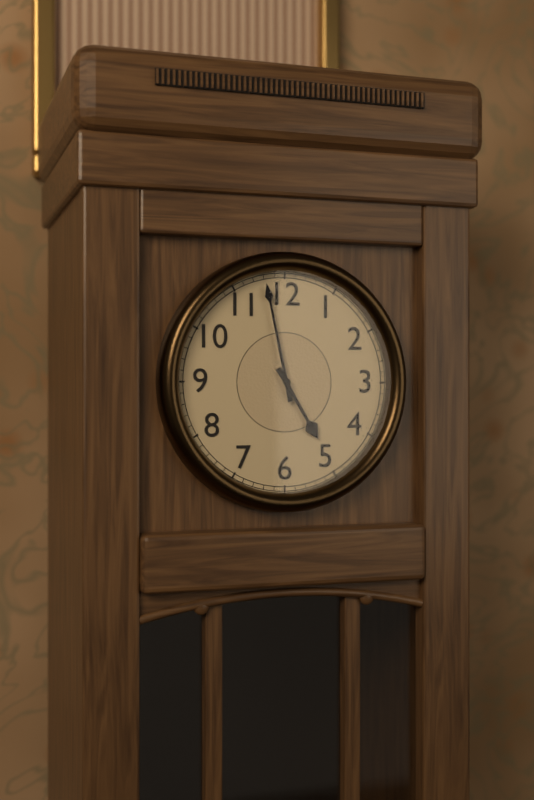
4:58
